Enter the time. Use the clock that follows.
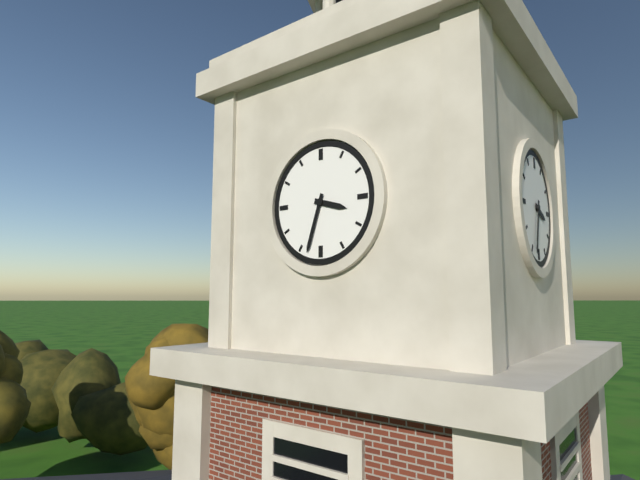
3:33
